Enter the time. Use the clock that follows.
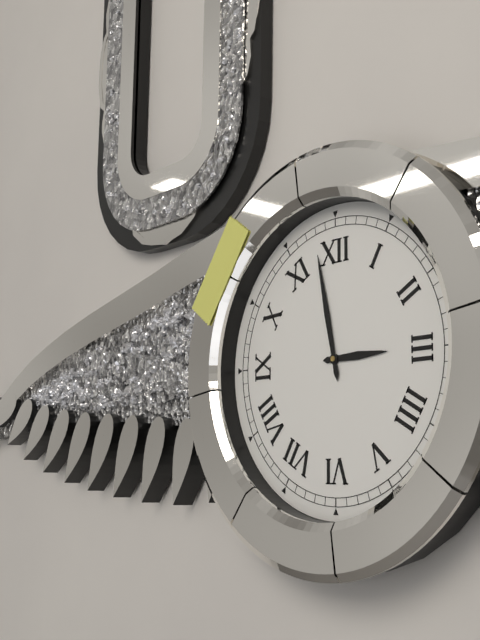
2:58
